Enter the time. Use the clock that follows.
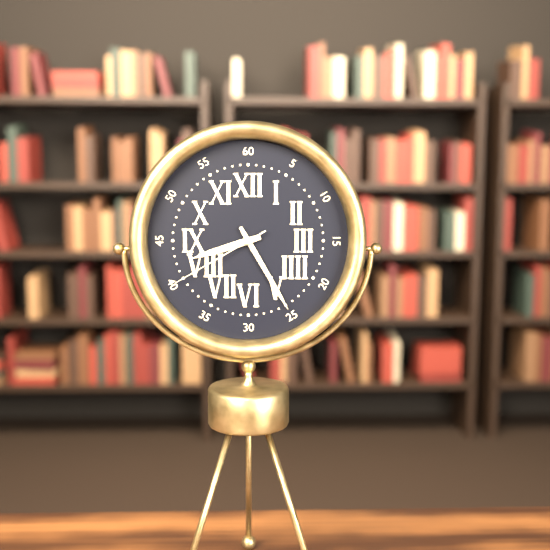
8:25:40
